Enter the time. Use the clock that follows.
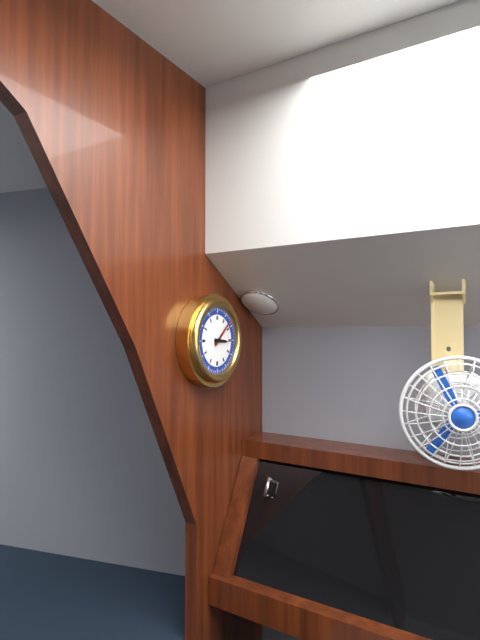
3:08
